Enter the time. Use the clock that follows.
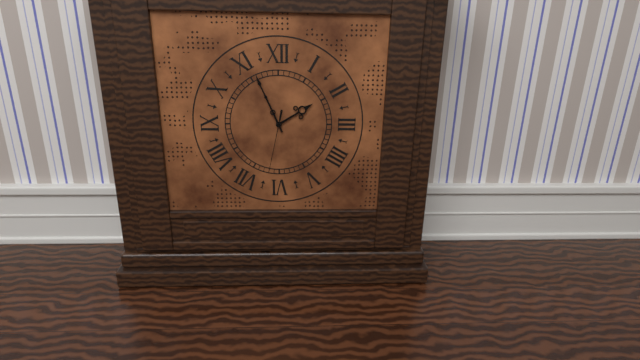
1:56:32
